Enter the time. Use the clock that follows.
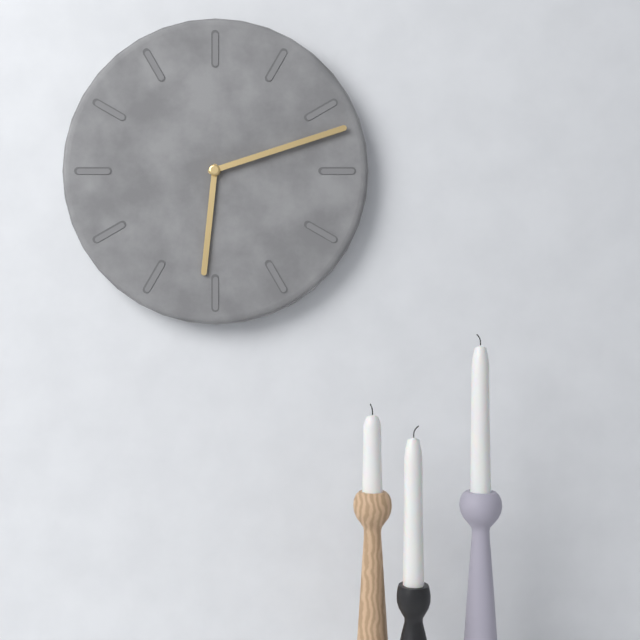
6:12
